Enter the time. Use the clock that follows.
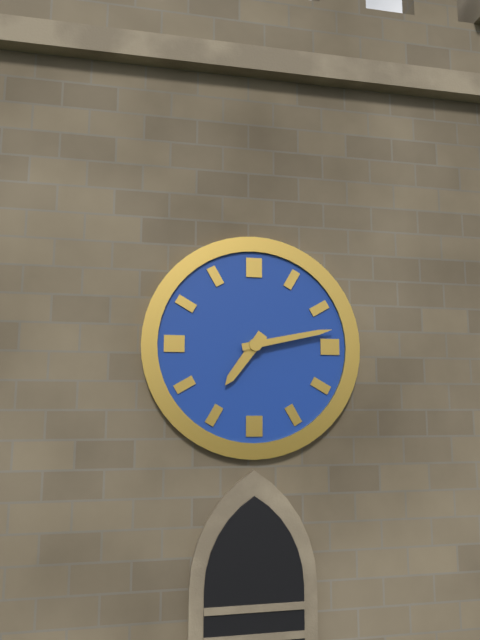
7:13
